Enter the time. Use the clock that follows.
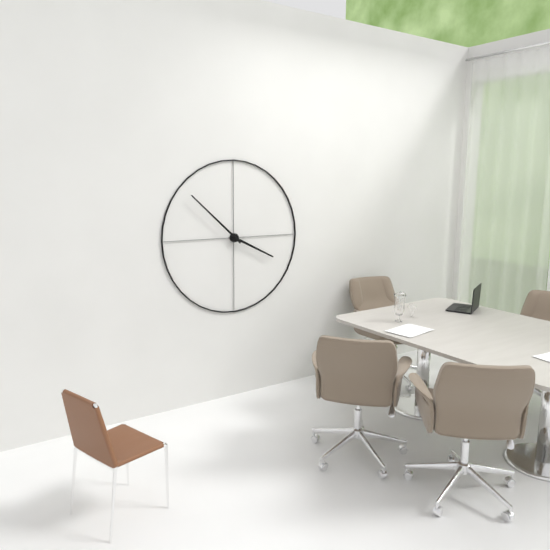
3:52
